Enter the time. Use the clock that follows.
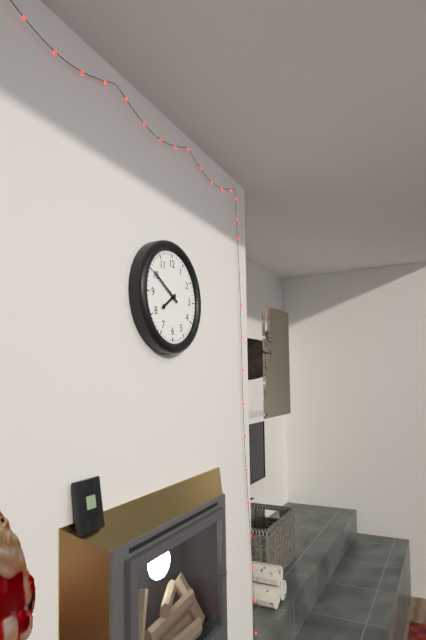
7:50
